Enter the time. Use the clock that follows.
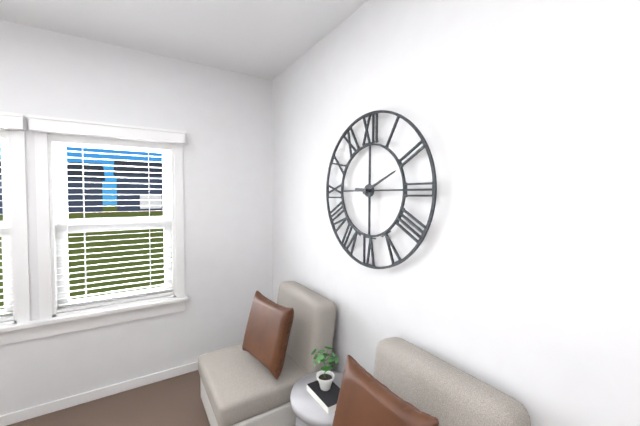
9:11
